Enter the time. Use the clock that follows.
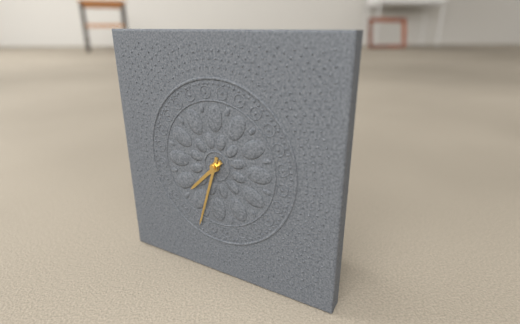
7:33
